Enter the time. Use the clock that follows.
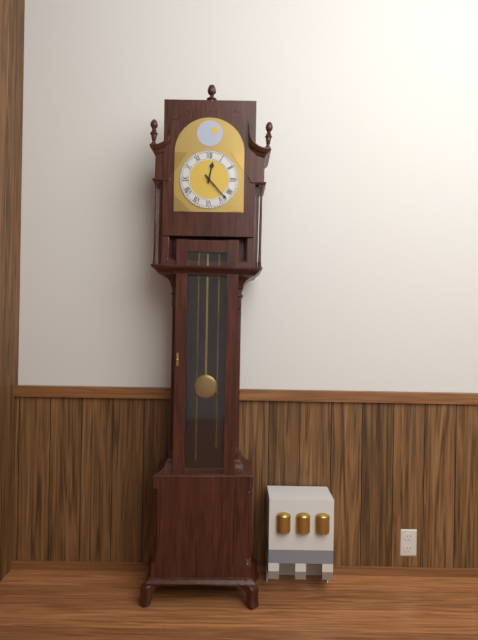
12:23
